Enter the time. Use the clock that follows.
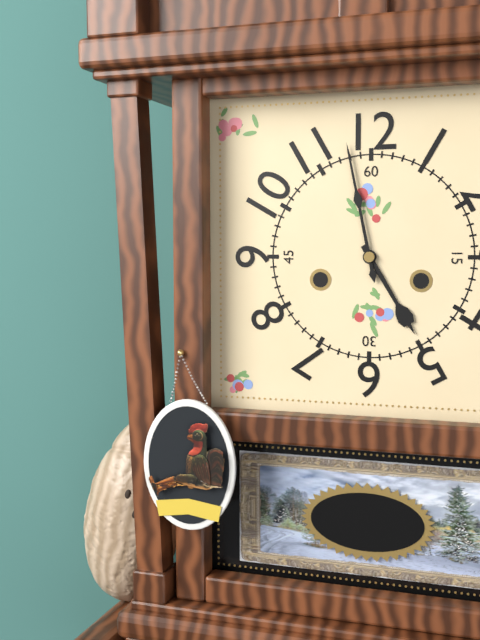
4:58
